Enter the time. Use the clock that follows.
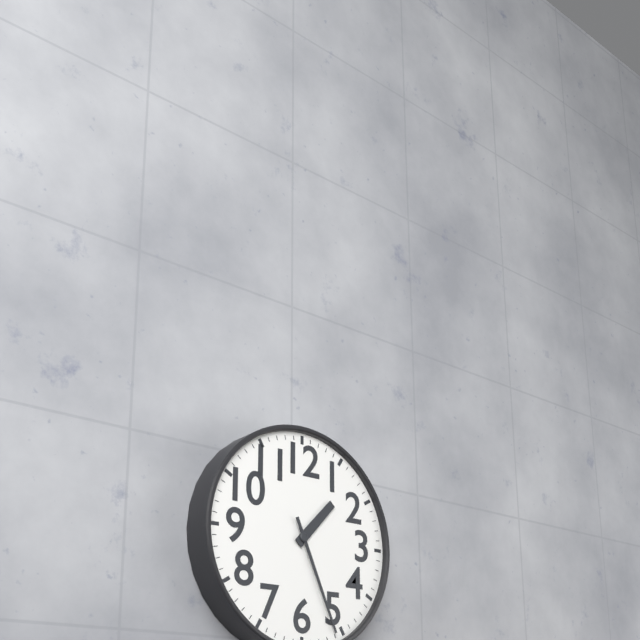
1:26
